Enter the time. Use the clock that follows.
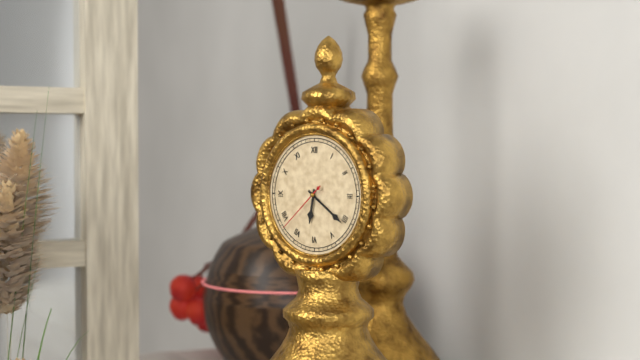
6:21:38
